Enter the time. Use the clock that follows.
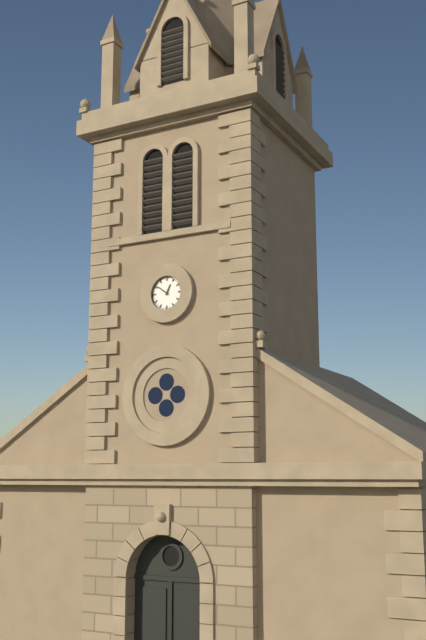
12:51
